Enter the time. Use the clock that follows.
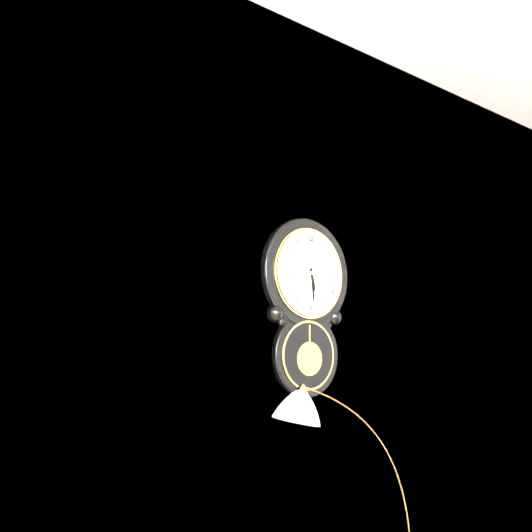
5:29
